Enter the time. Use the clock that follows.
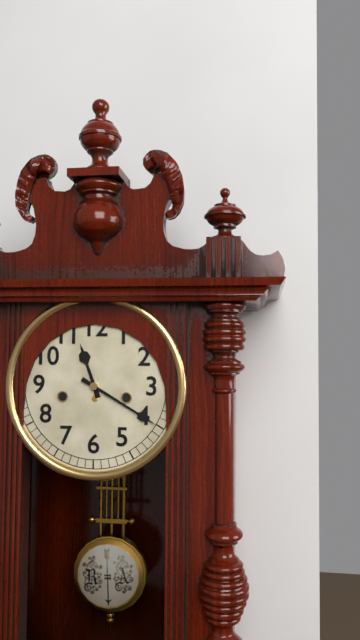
11:20
